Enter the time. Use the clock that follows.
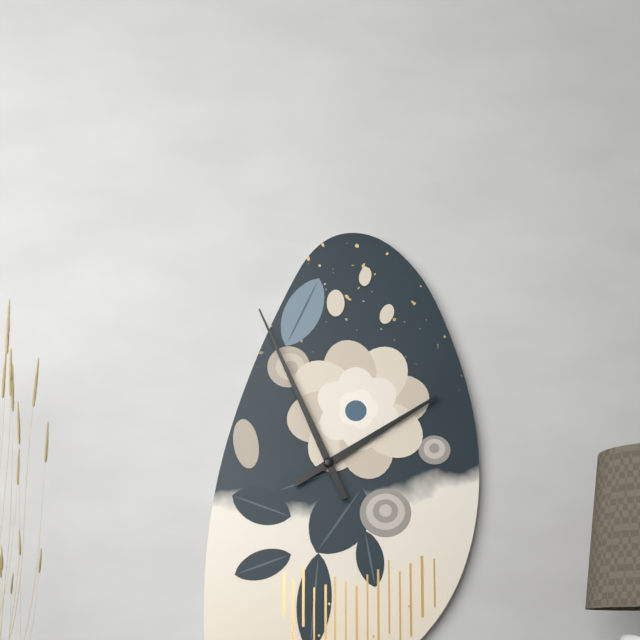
1:56
